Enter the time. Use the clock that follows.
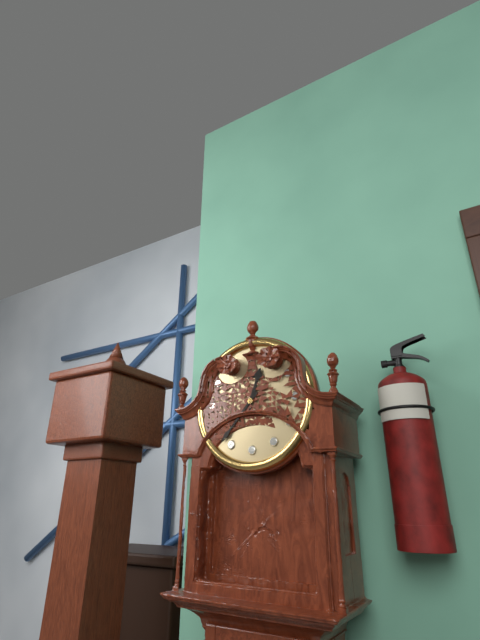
12:37
